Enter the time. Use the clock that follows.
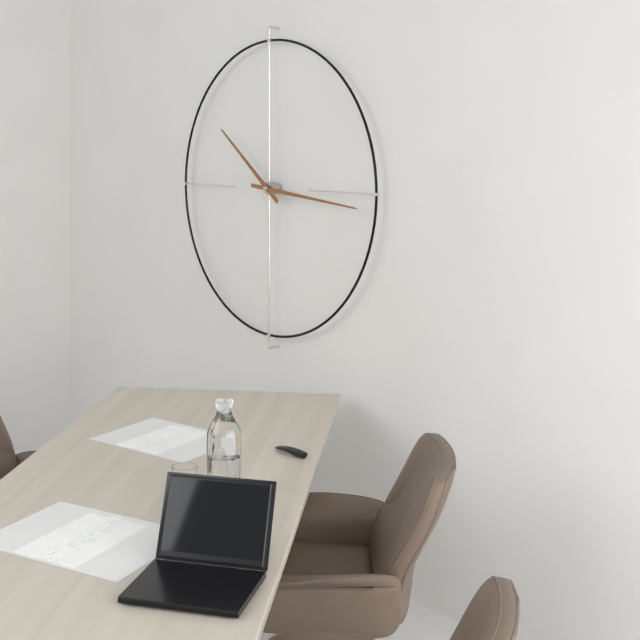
10:16
